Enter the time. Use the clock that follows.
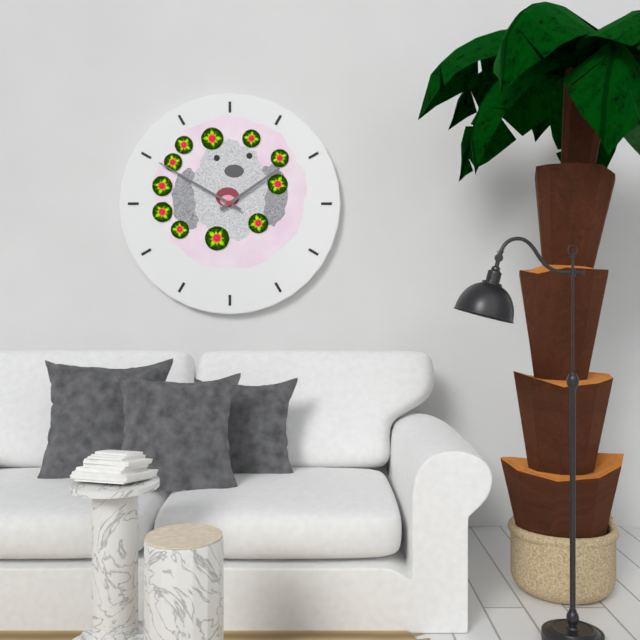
1:50
